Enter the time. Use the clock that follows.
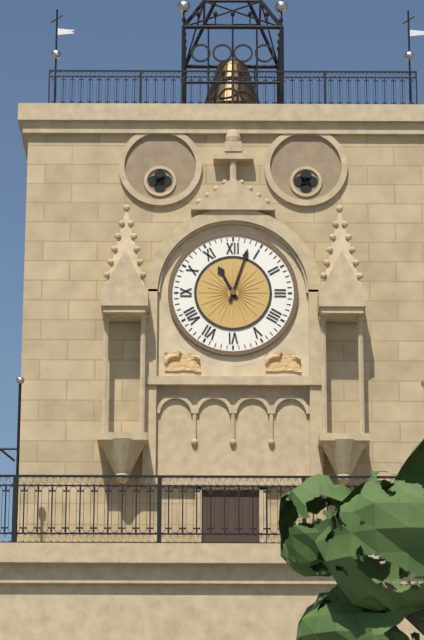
11:03
